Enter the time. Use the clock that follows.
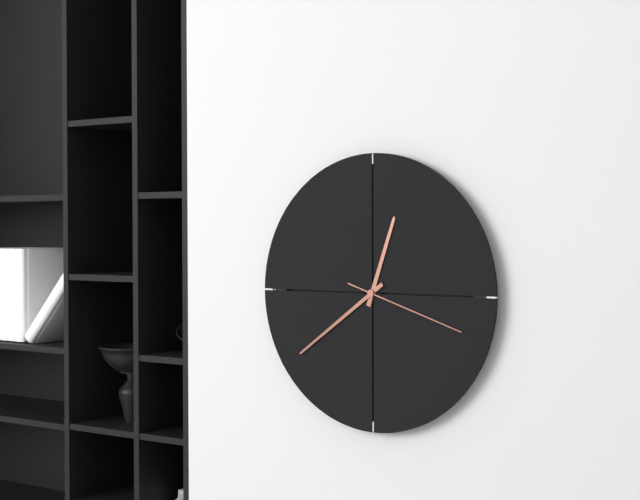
12:39:18
